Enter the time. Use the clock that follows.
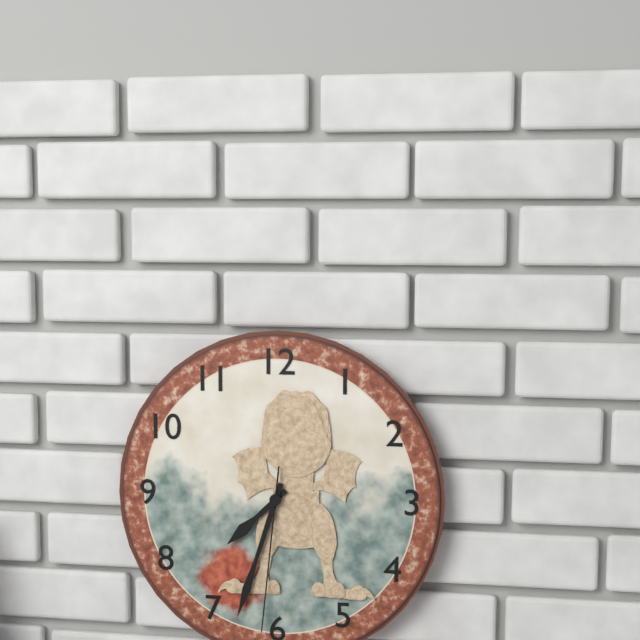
7:33:31
